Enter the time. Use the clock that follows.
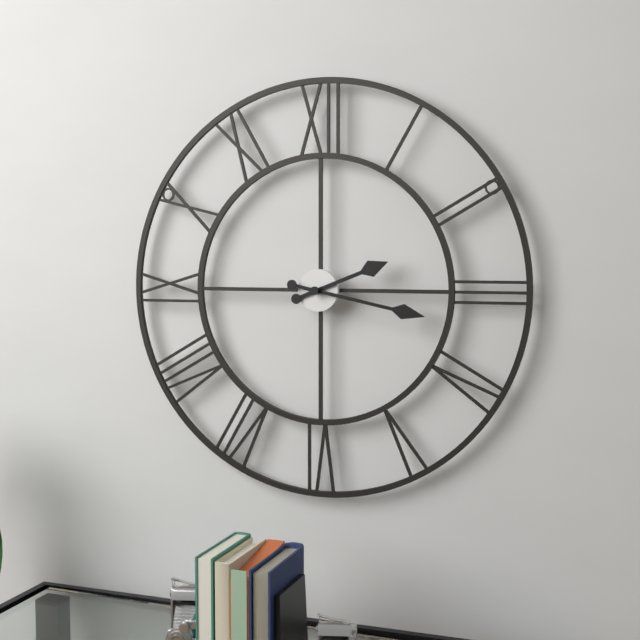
2:17
